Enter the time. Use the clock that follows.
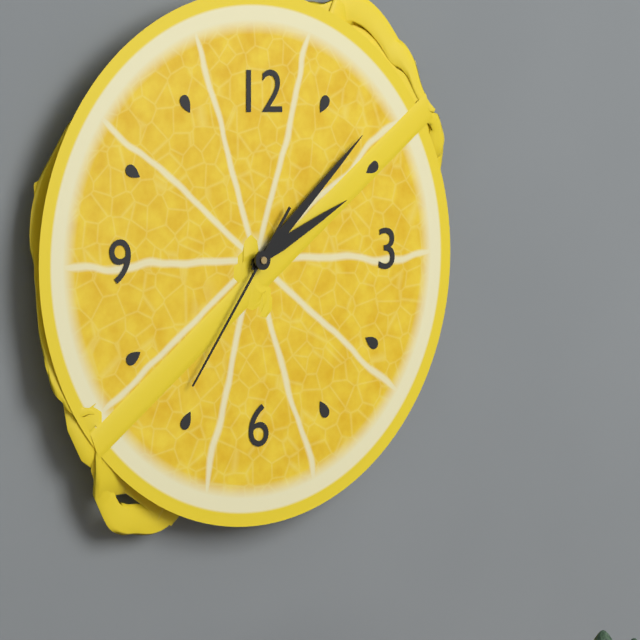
2:08:36
